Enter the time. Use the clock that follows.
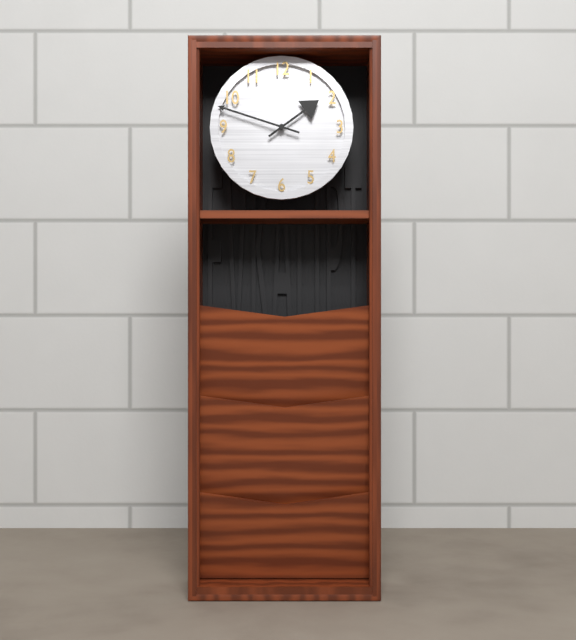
1:48
